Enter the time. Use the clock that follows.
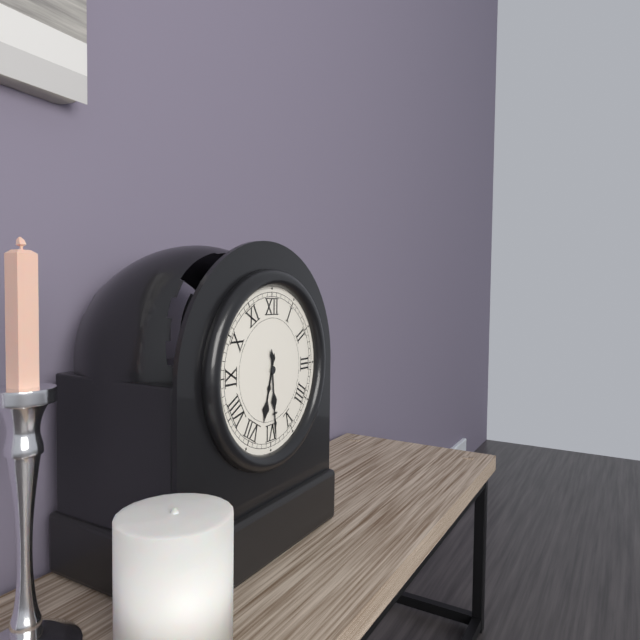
6:29
